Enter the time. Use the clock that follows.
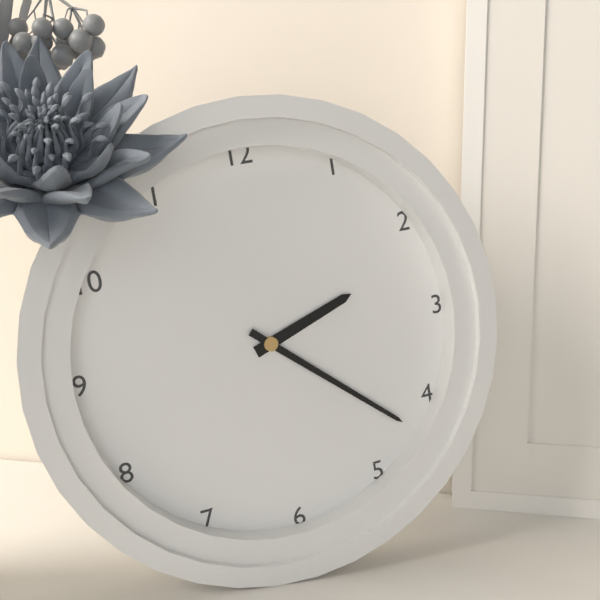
2:22
